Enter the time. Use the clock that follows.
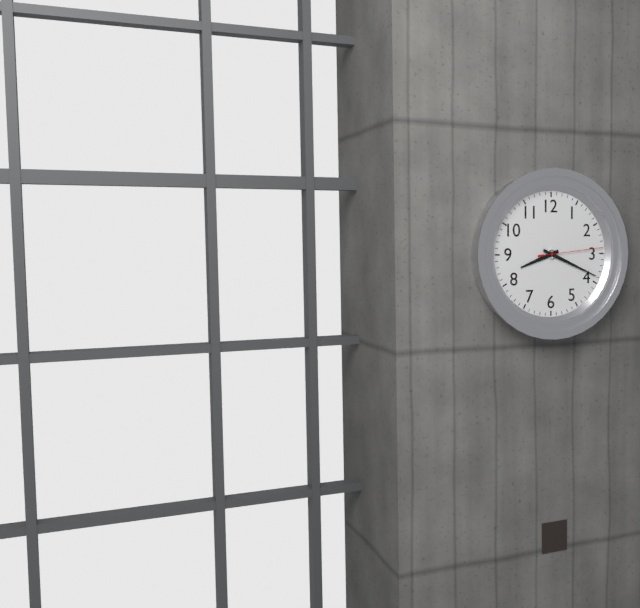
8:19:14
